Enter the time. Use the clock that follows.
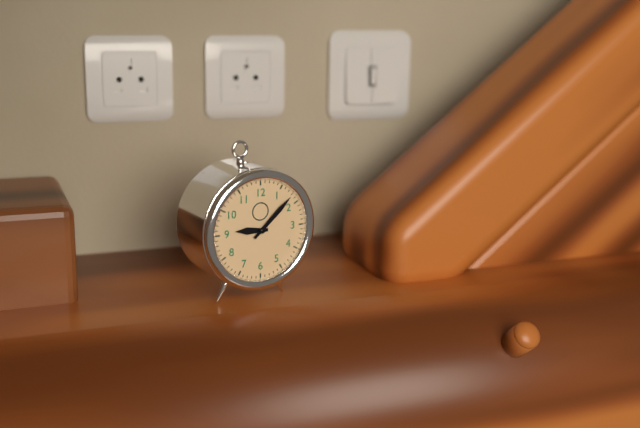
9:08
